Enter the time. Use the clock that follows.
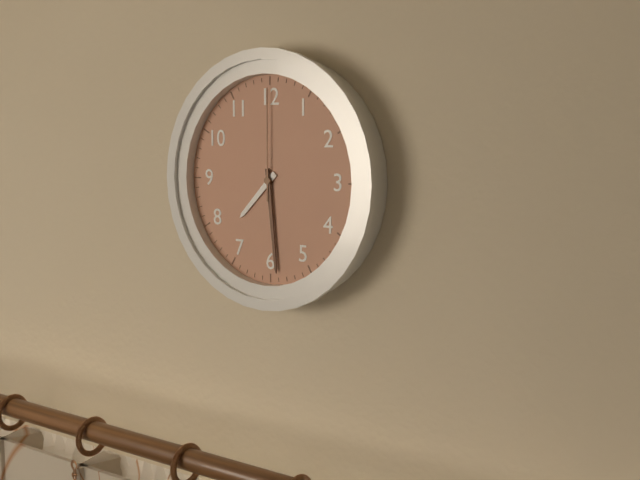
7:29:00
